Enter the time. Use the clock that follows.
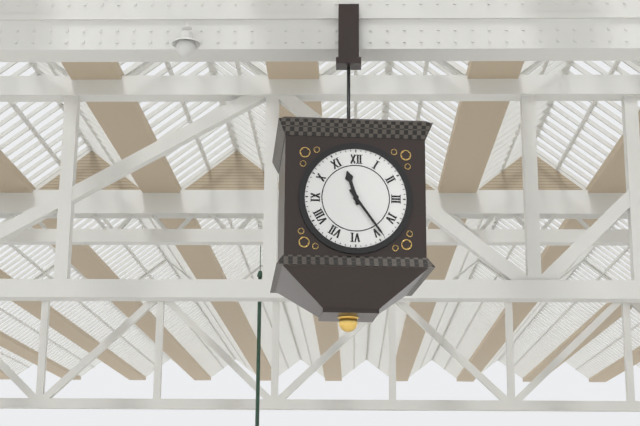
11:24
